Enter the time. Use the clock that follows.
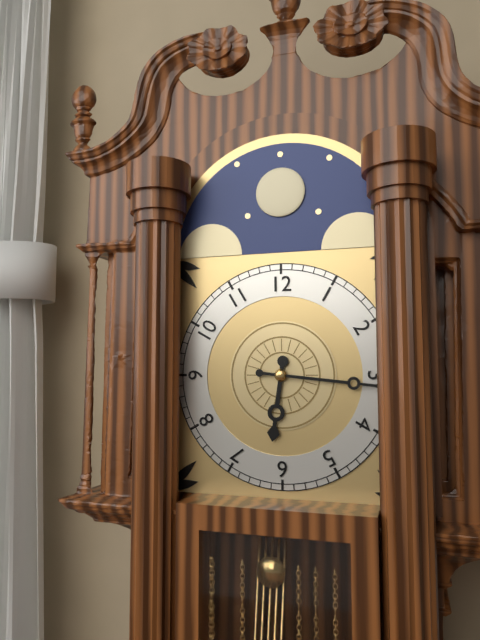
6:16
